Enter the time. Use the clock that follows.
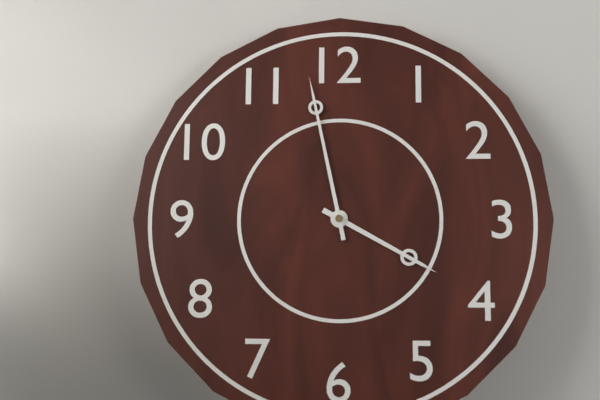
3:58
